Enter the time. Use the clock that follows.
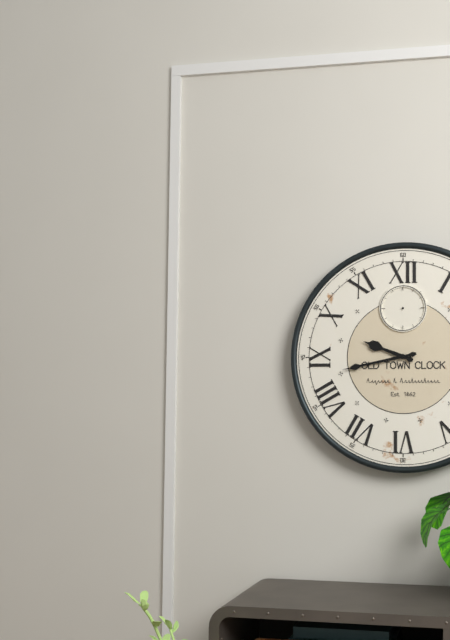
9:43
